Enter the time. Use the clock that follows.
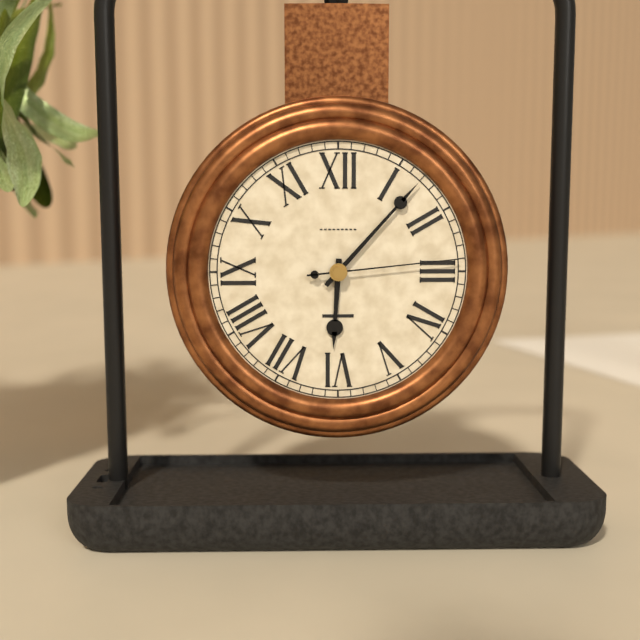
6:07:14
